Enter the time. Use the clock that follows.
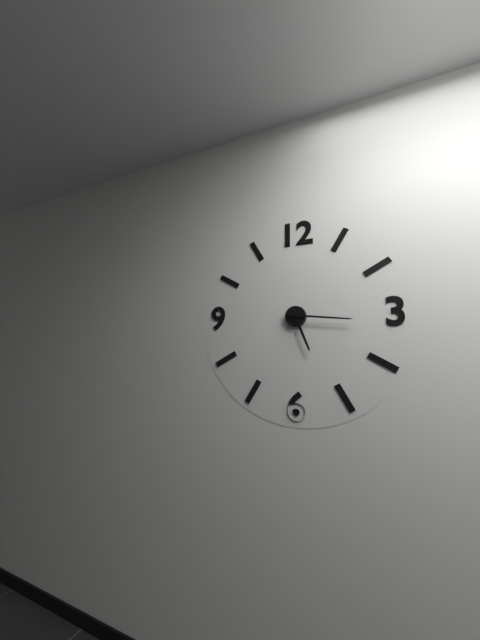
5:16
